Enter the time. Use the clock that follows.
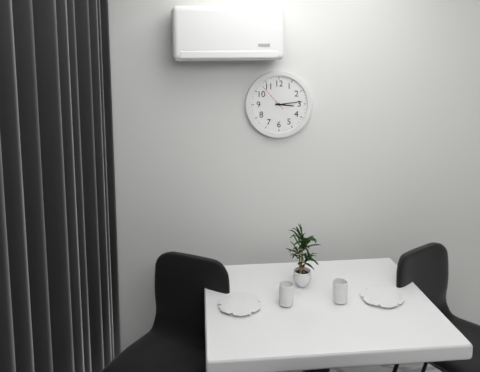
3:14
